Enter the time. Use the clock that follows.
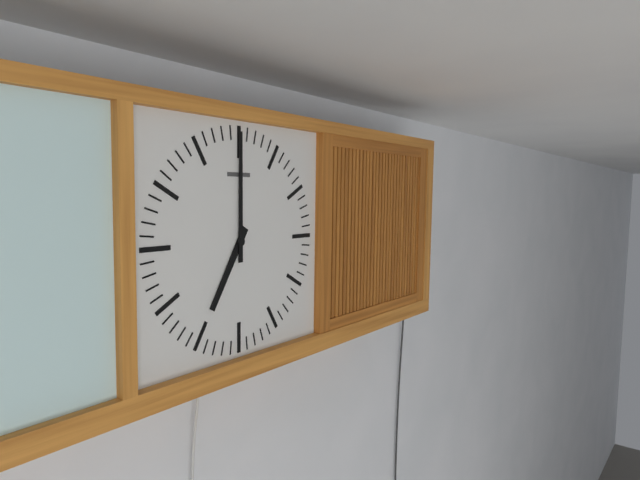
7:00
